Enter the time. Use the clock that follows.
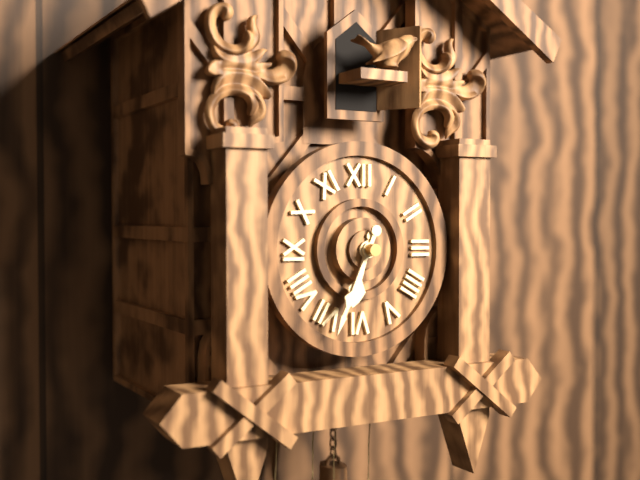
6:34
